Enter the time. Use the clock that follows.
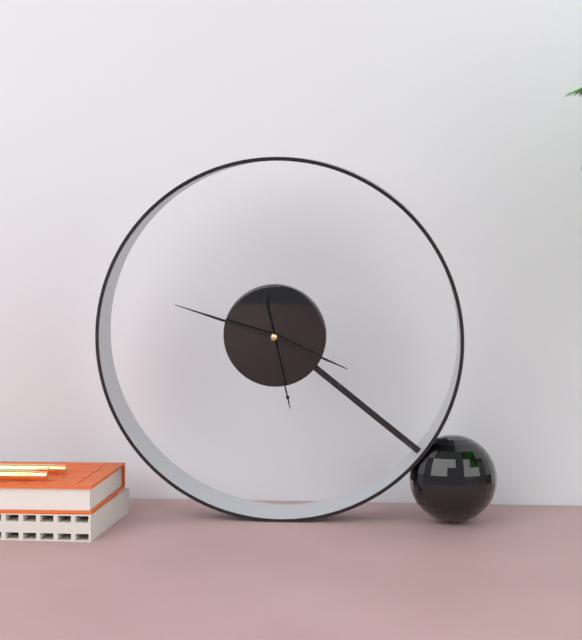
3:48:28
